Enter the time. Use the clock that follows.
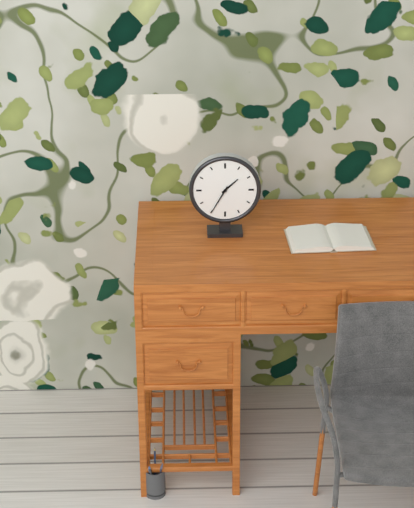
1:35
